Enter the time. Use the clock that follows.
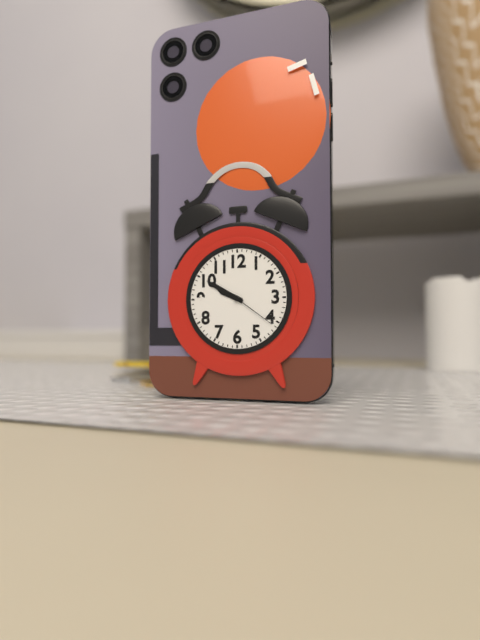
9:50:21
